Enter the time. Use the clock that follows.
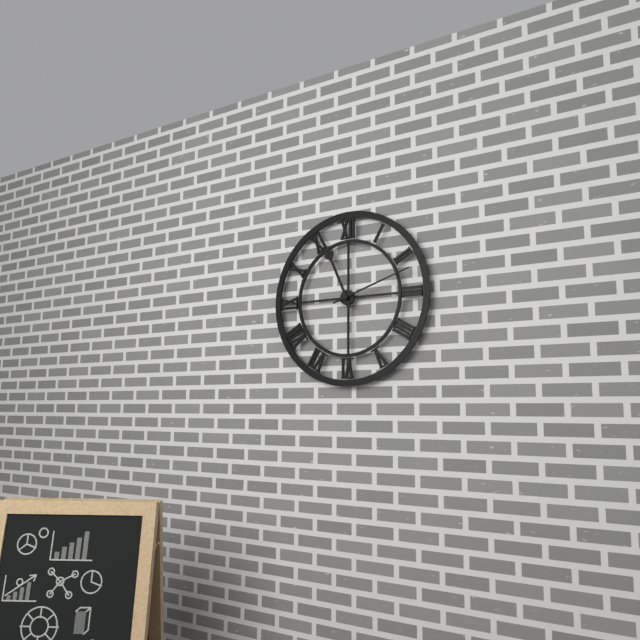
11:12
